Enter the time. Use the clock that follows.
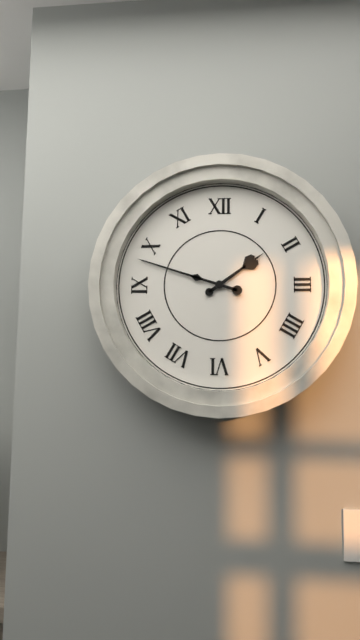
1:48
